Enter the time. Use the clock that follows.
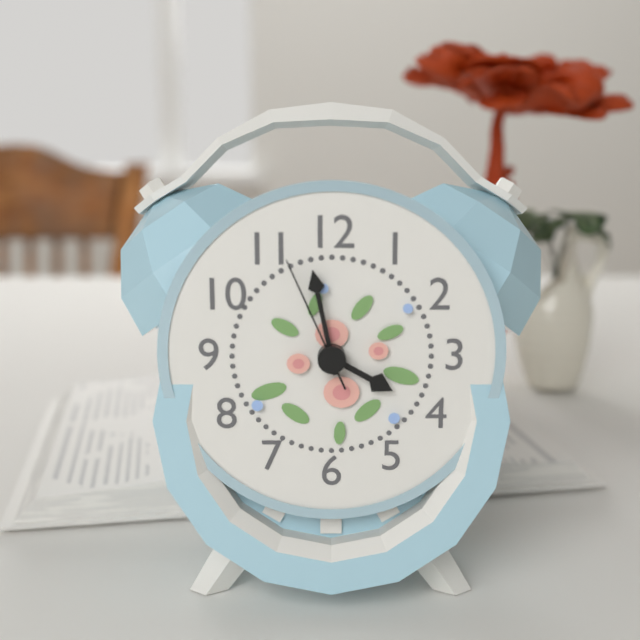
3:58:56
